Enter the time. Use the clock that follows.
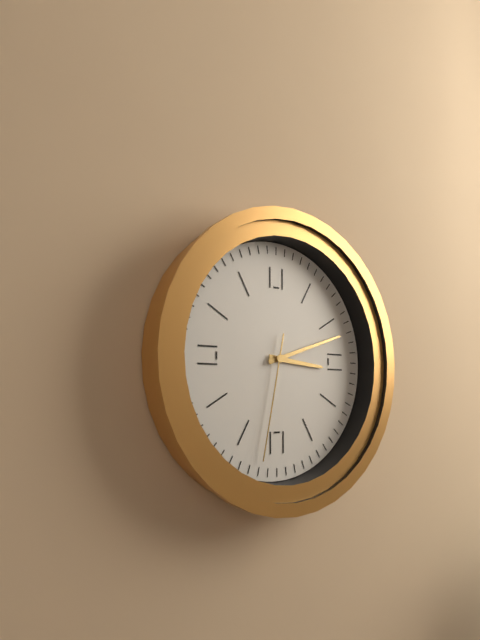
3:12:32
